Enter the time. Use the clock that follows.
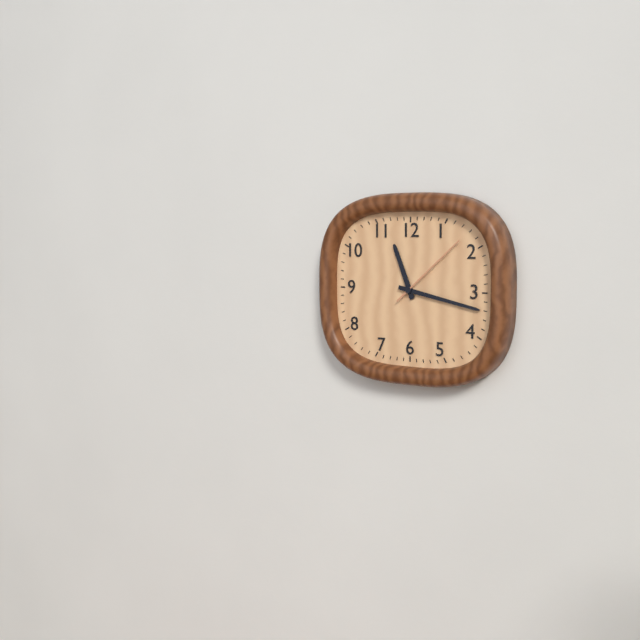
11:17:08
